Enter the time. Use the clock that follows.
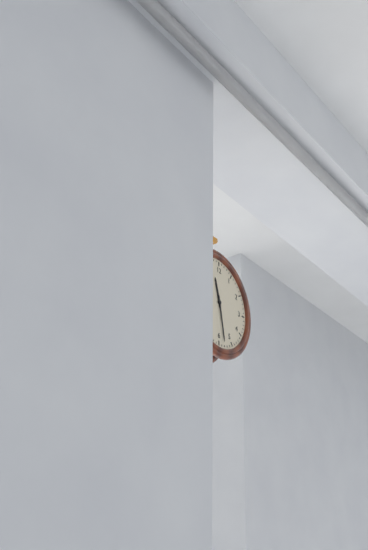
11:28
